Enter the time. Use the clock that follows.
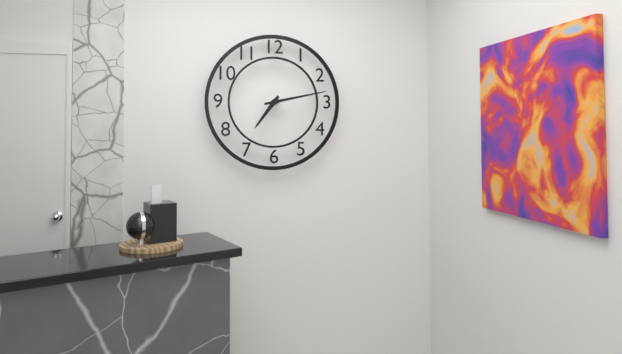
7:13
